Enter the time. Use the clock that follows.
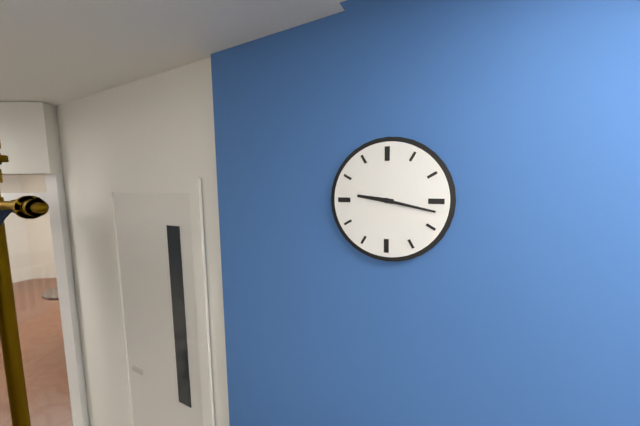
9:17
